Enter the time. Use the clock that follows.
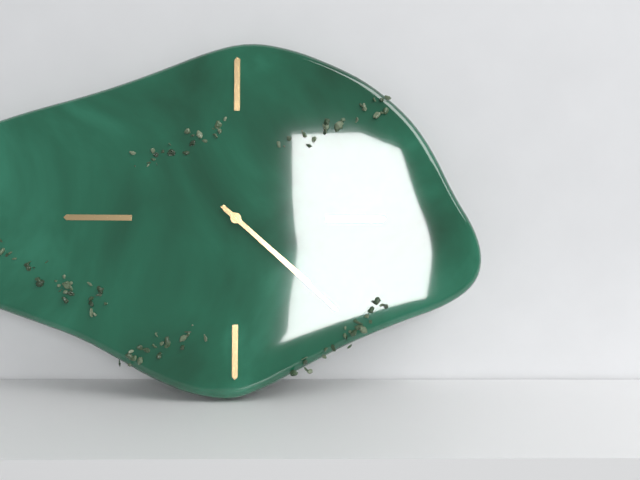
4:22
